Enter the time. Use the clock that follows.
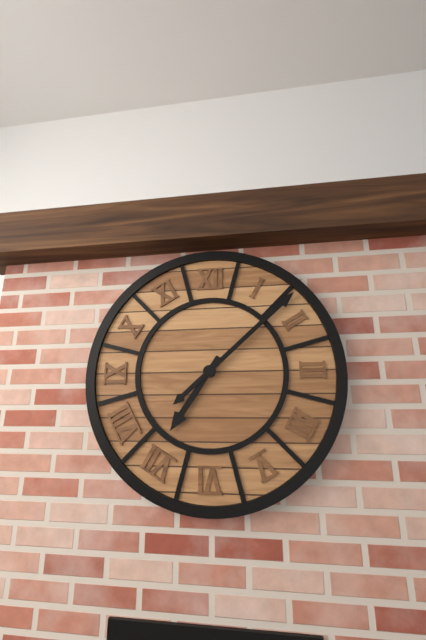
7:08
